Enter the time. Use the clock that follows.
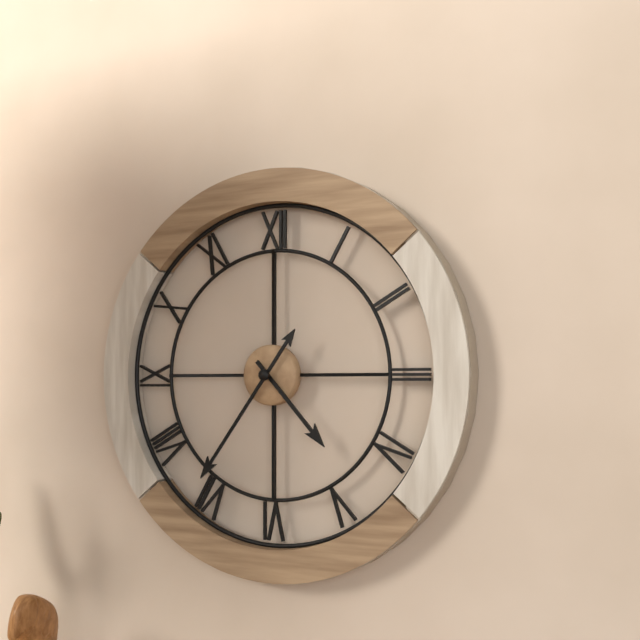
4:36
